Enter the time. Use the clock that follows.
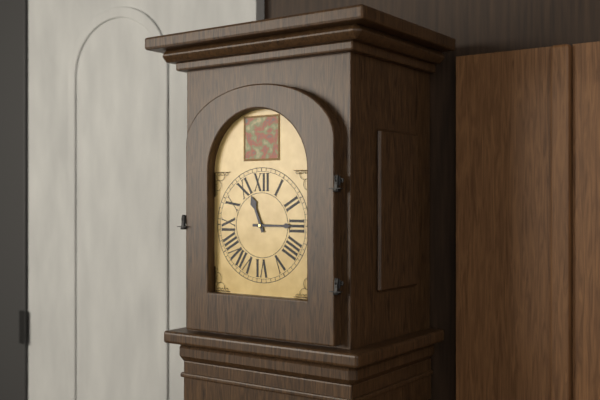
11:15
